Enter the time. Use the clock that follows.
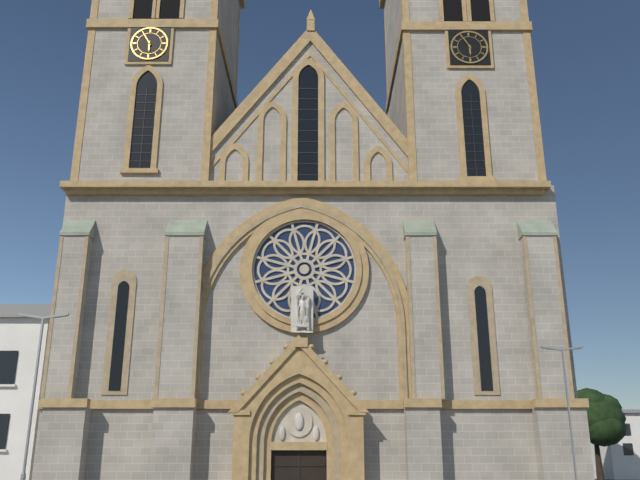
5:55
